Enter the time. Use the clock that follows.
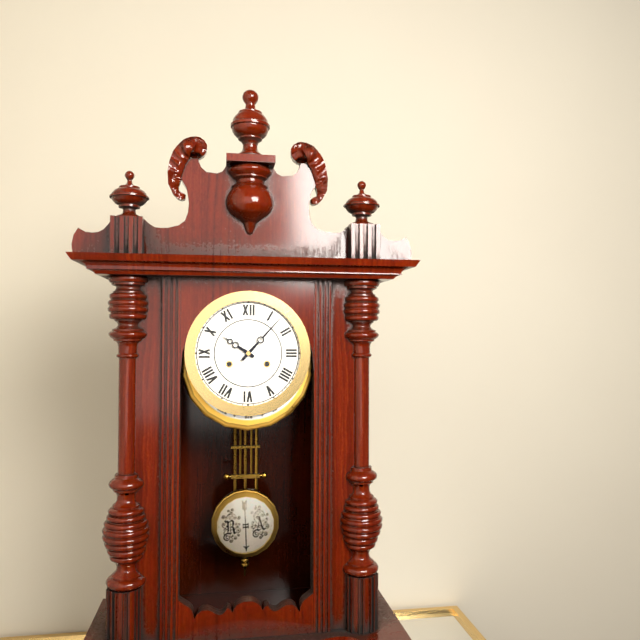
10:07
